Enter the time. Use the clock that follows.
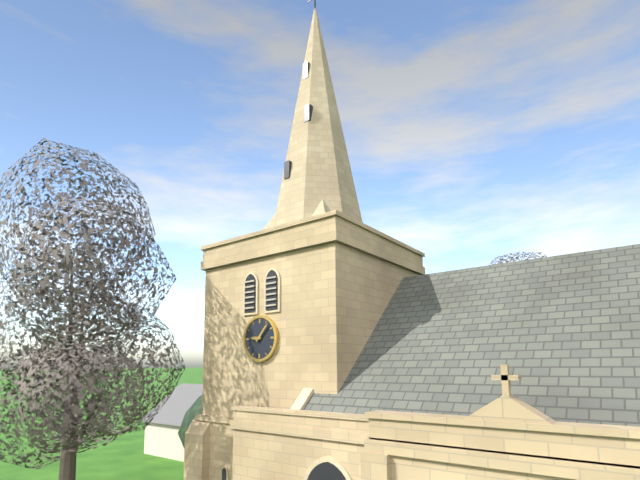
9:07
